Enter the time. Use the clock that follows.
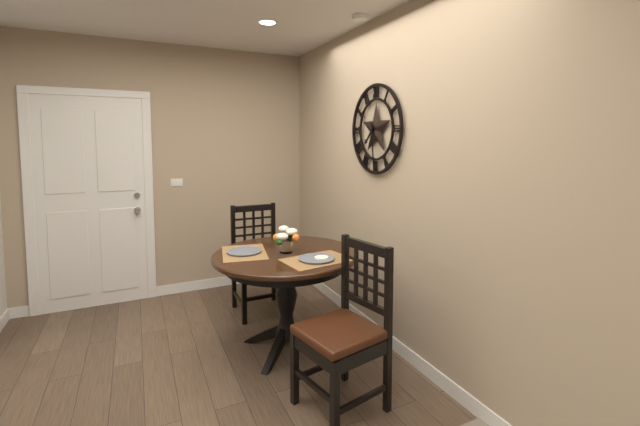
7:29
